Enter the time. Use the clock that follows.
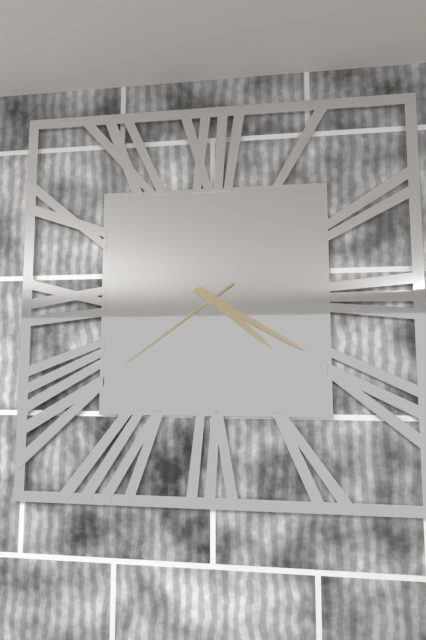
4:20:39
